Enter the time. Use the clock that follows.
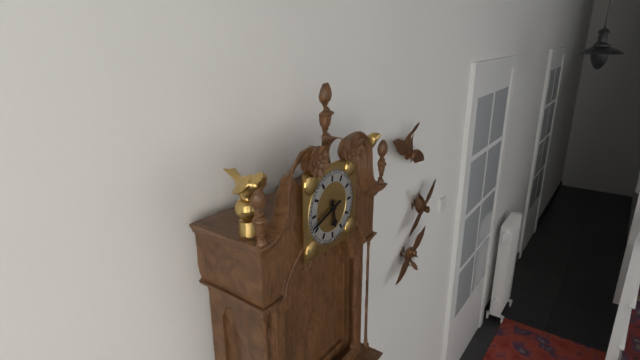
5:42
